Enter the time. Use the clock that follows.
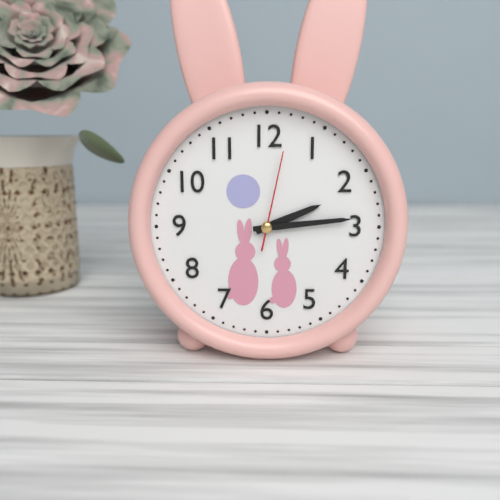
2:14:02
